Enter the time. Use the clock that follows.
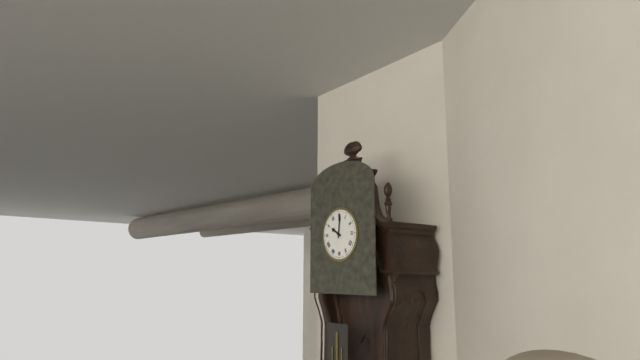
10:01
